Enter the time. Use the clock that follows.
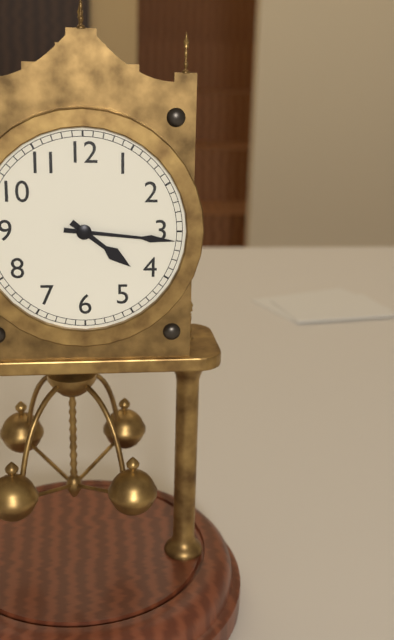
4:16
